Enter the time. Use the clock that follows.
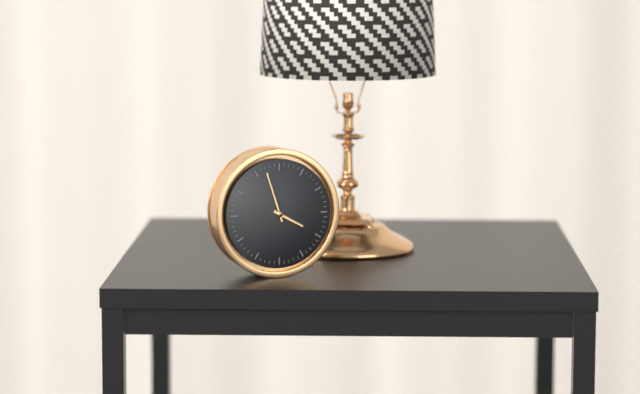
3:57
